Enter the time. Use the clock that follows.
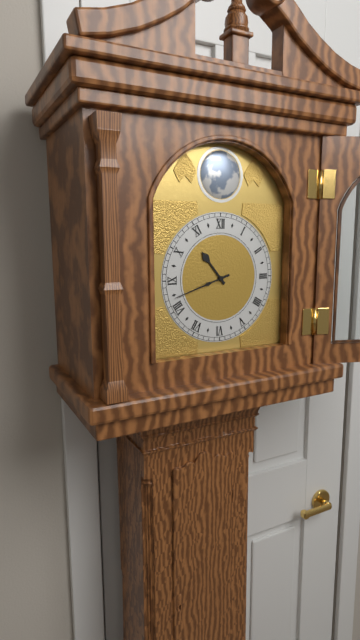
10:42
